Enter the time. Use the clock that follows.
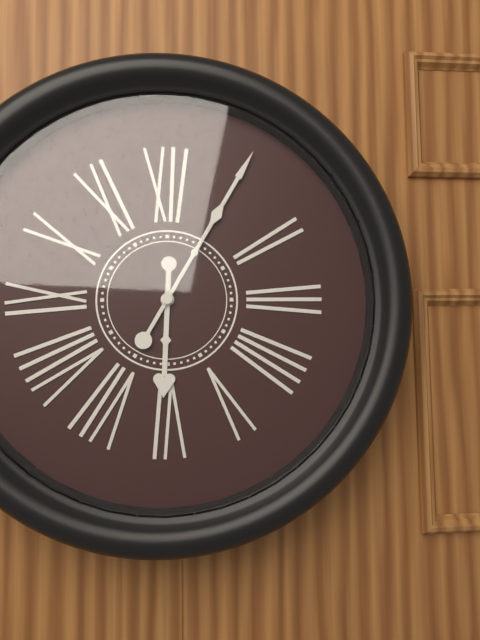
6:05
